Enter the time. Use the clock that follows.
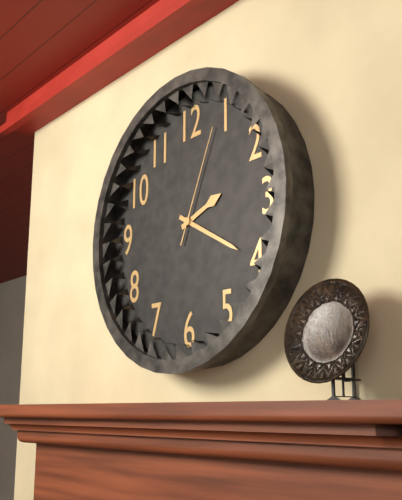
2:20:04
